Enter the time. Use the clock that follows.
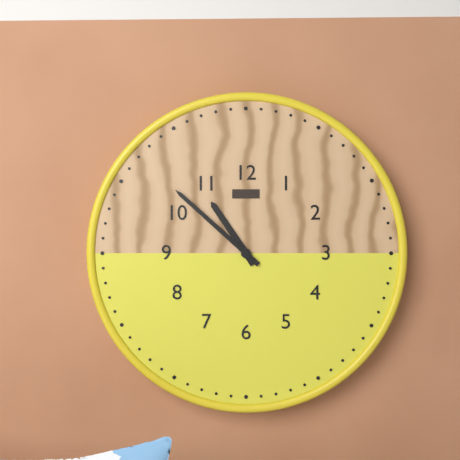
10:52
